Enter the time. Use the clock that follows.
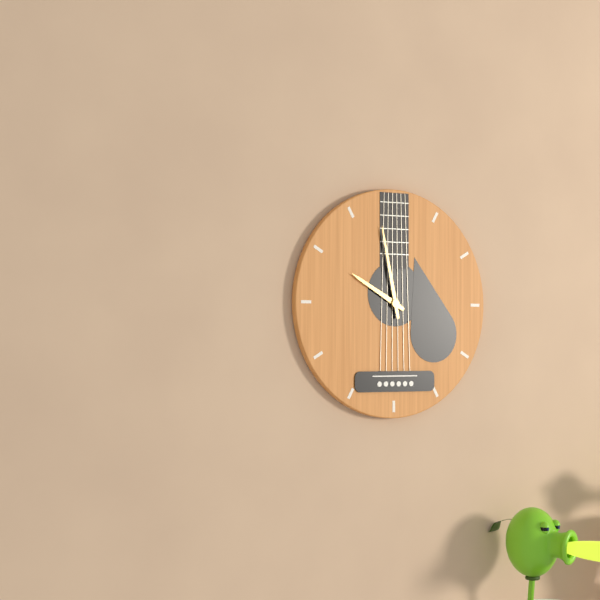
9:58
